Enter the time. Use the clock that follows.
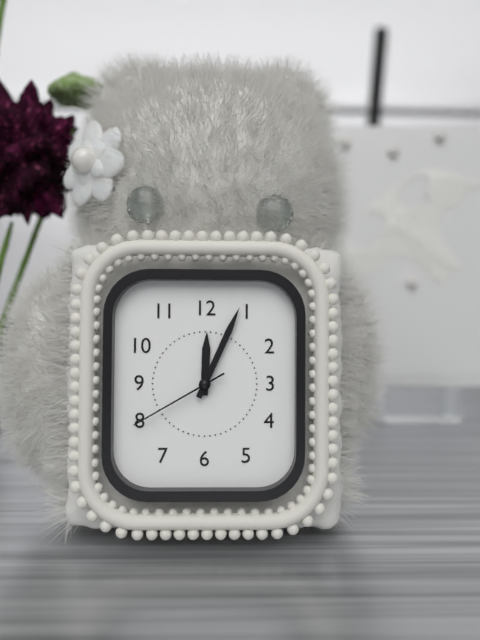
12:04:40
